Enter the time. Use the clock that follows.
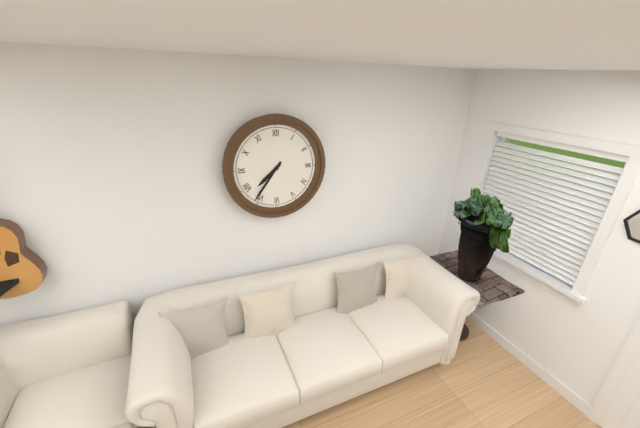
7:36
